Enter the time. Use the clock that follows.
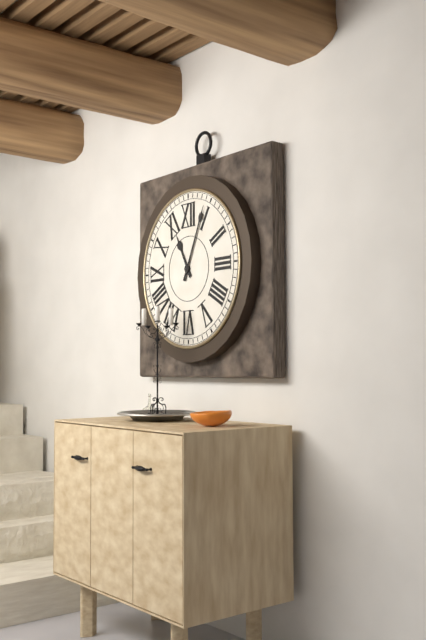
11:04
